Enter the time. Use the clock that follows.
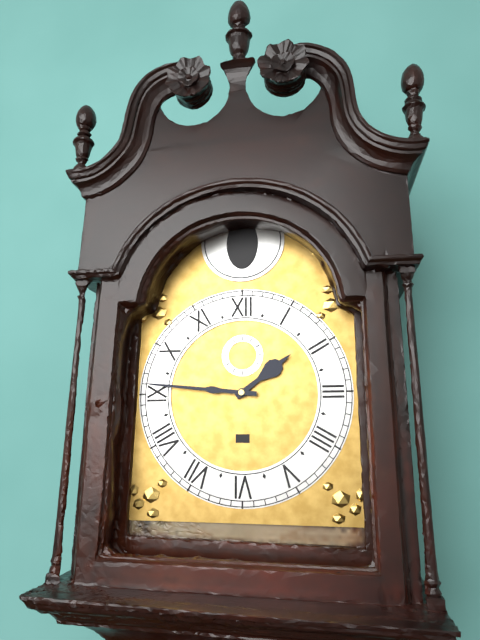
1:46
